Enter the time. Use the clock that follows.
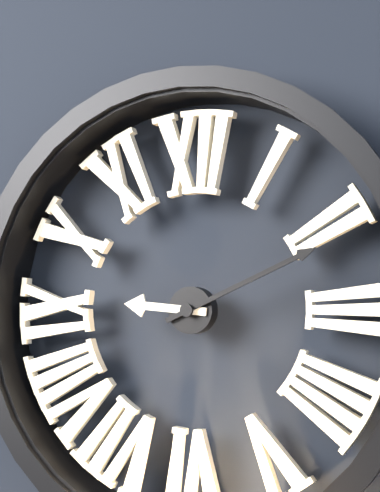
9:11
